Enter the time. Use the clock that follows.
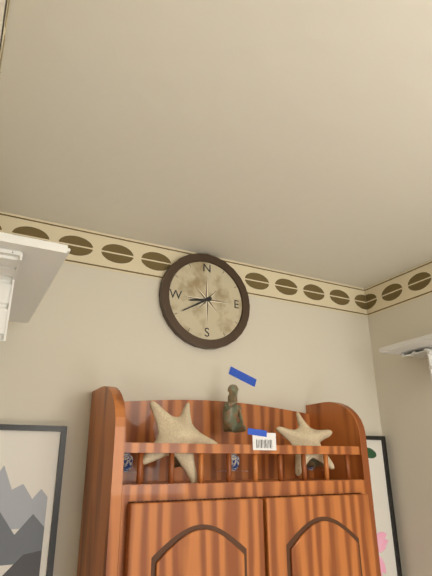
8:40
